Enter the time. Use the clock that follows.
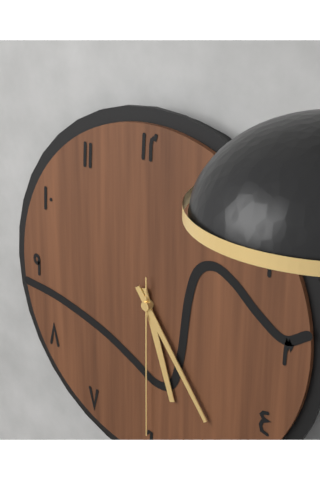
5:24:30
